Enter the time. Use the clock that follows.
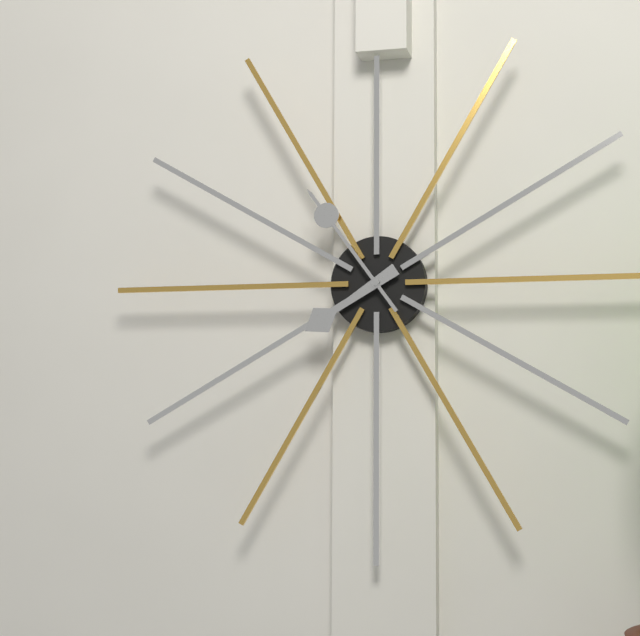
7:54
